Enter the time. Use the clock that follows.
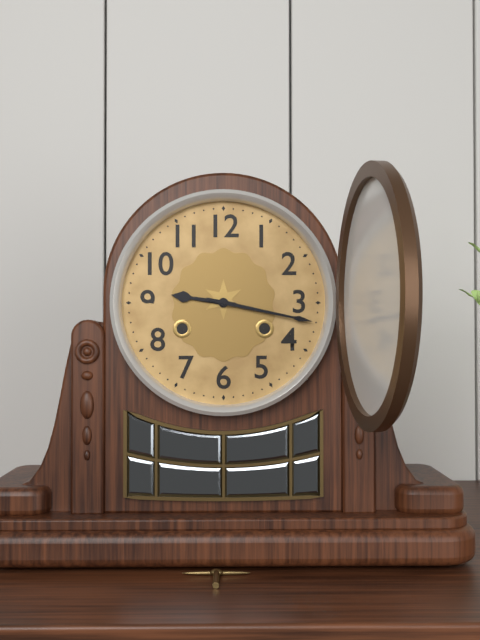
9:17
